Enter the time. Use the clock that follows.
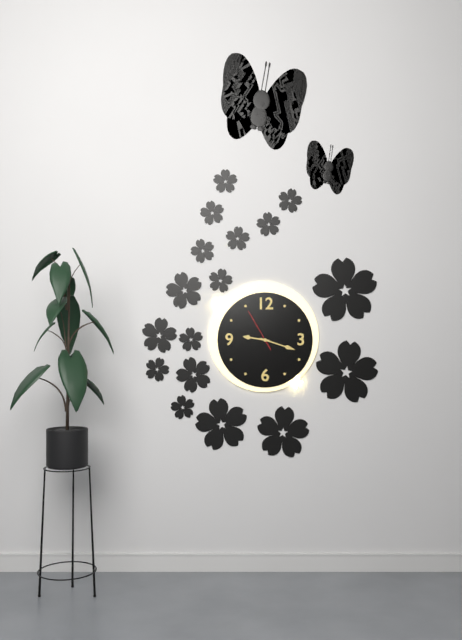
9:18
